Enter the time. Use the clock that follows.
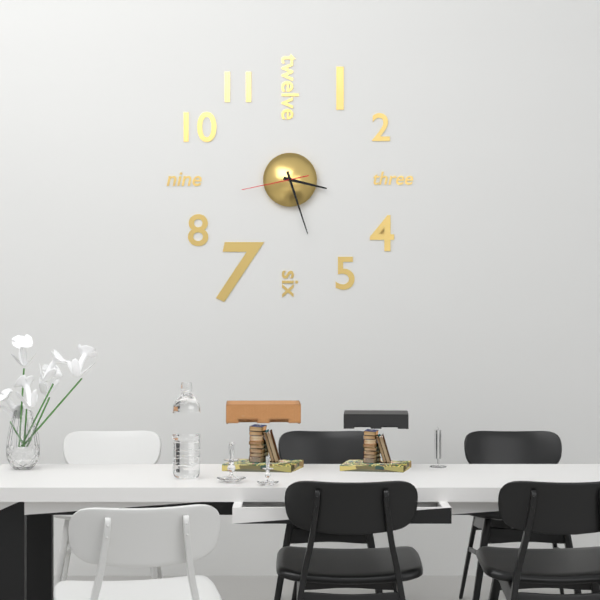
3:27:43
